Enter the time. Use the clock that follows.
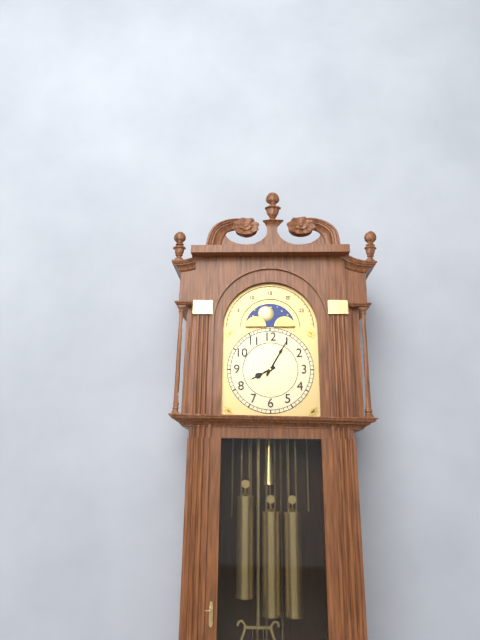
8:05
